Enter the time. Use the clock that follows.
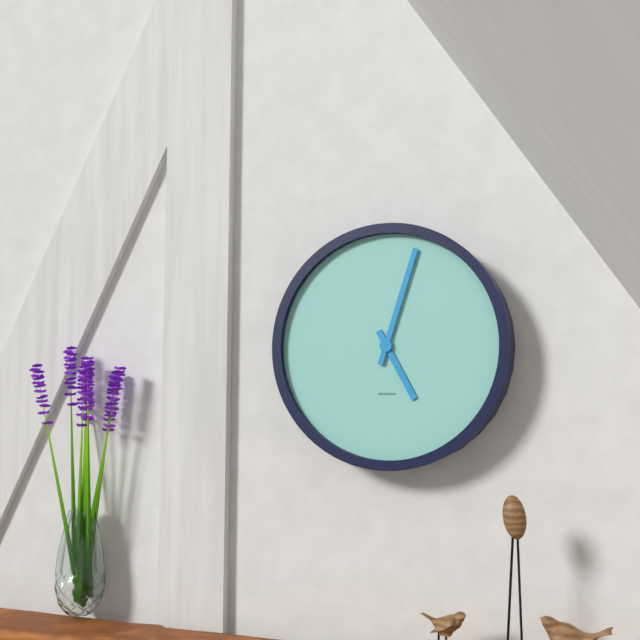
5:03
